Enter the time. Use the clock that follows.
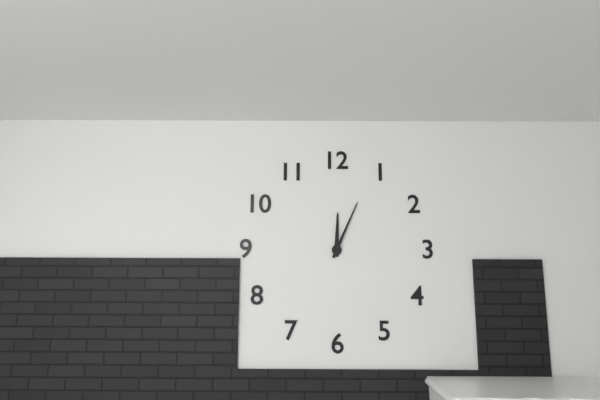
12:04
